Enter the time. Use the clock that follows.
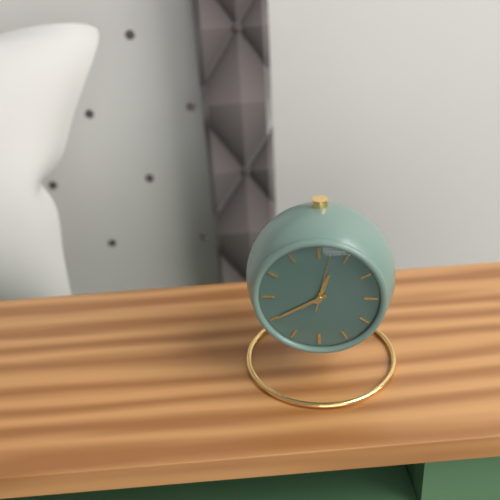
12:40
